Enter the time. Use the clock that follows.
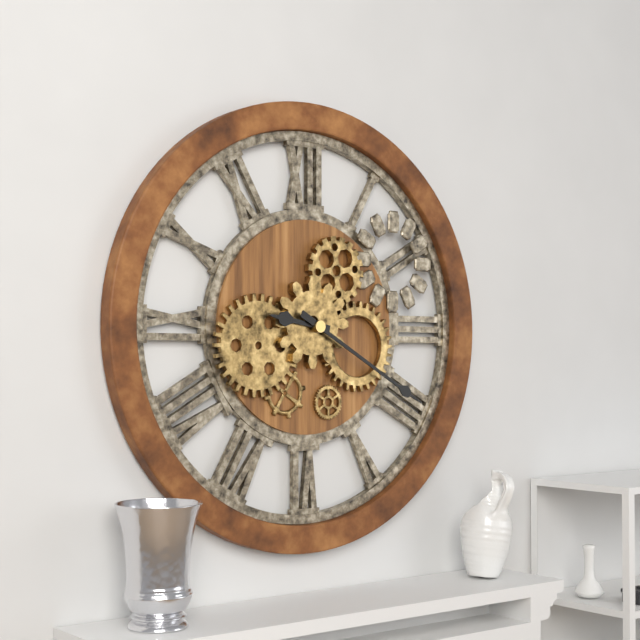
9:20
